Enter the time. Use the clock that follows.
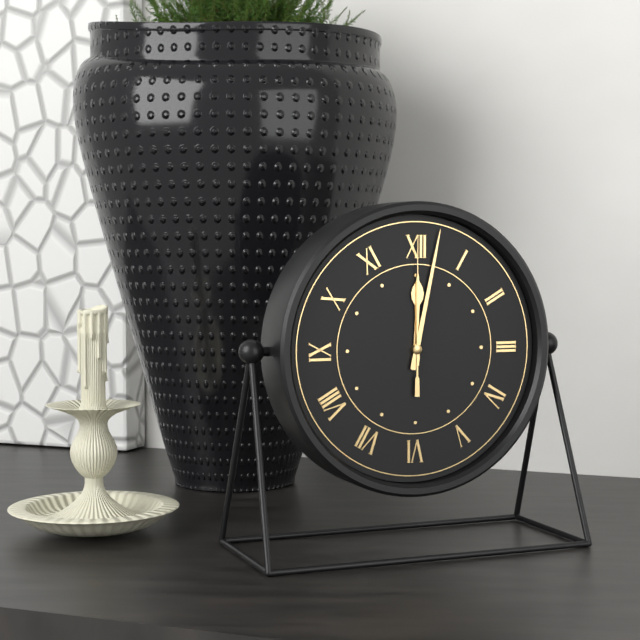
12:02:00
